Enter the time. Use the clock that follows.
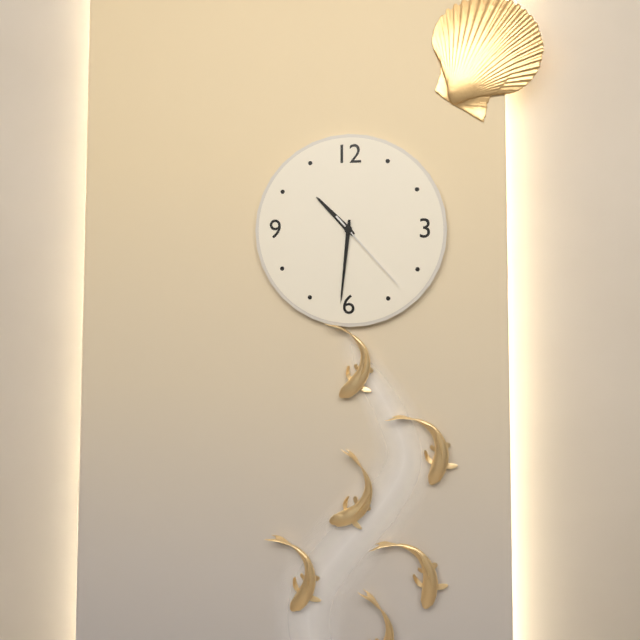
10:31:23
